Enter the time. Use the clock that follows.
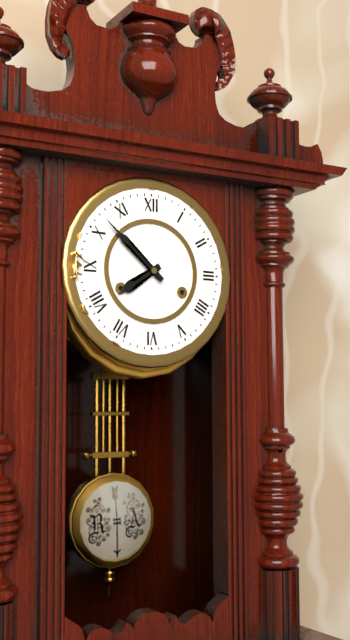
7:52
